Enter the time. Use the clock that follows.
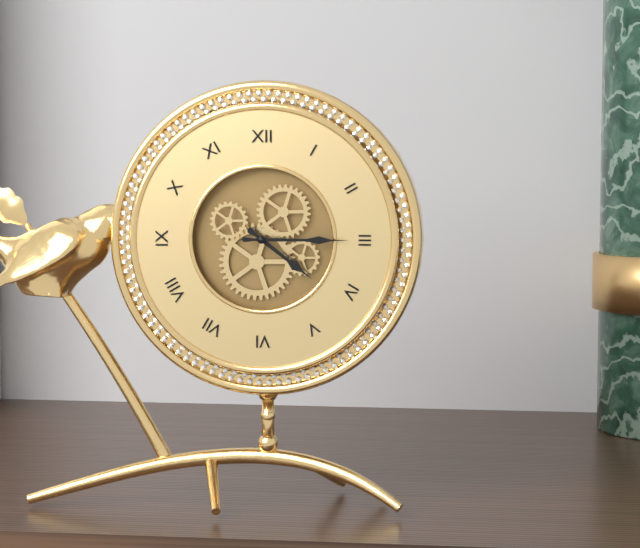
4:15
